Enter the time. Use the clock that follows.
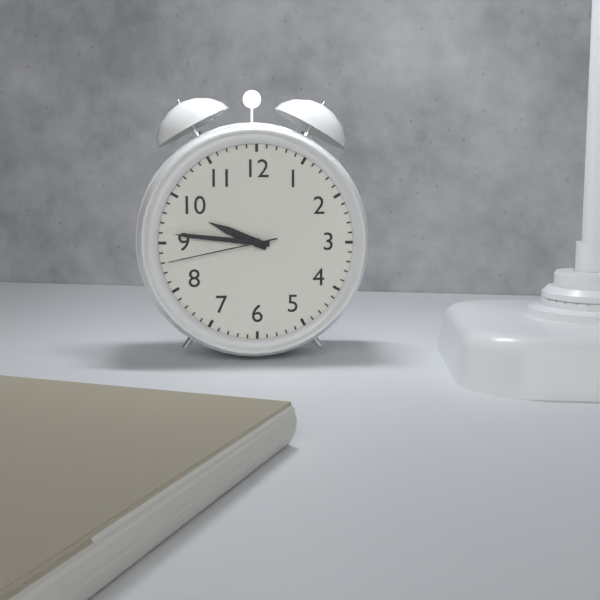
9:46:43
